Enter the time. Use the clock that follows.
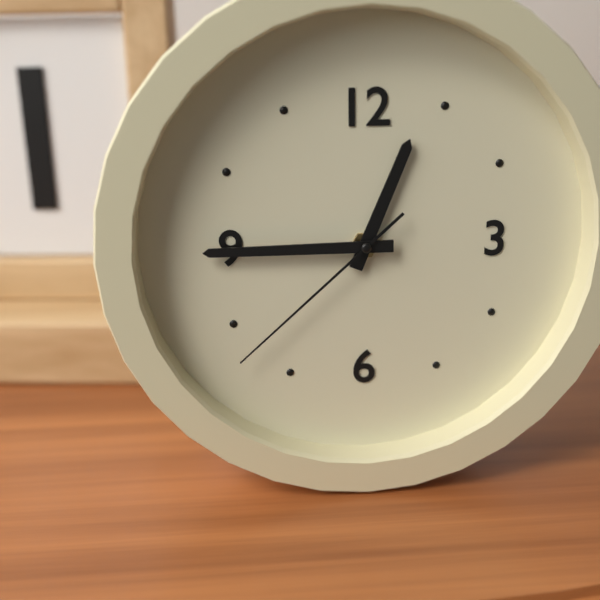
12:45:38
